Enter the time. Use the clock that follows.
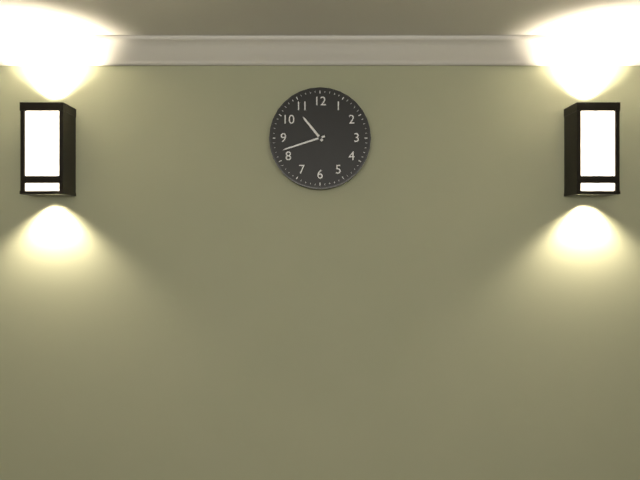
10:42
